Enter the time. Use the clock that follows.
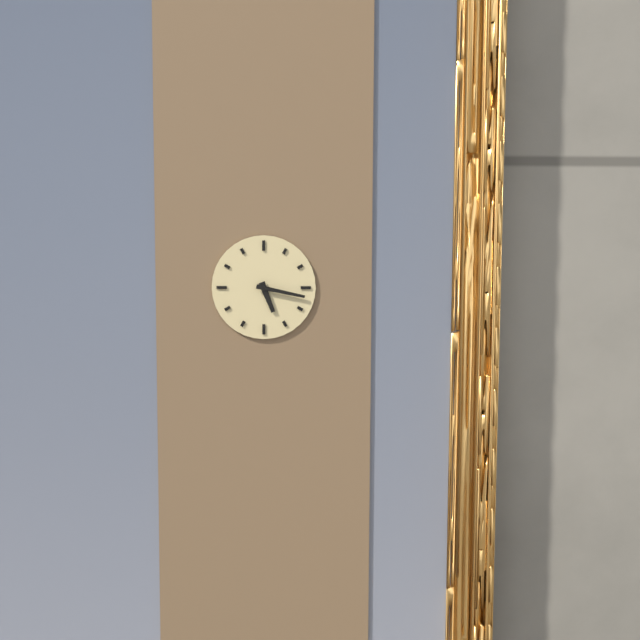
5:17
